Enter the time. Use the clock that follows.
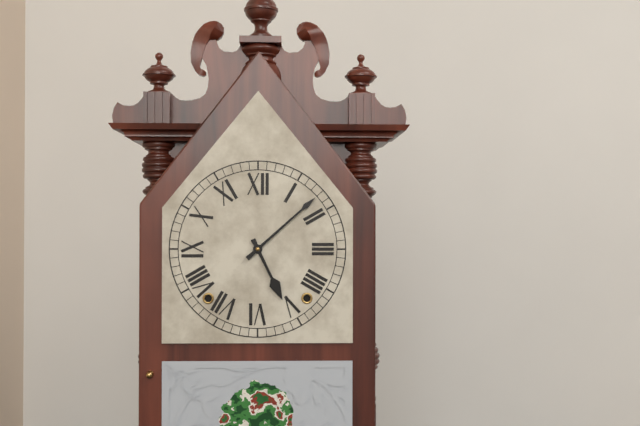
5:08
